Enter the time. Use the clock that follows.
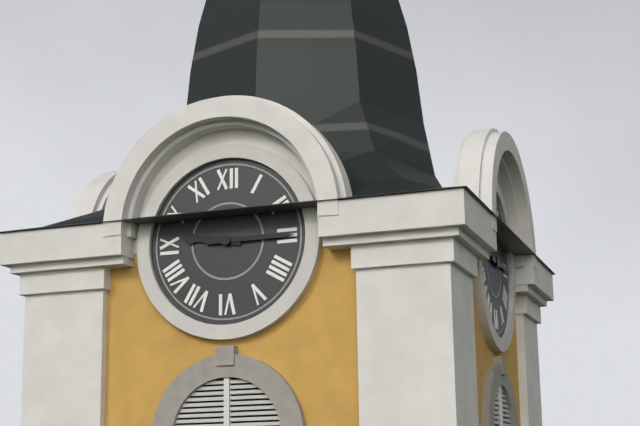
9:15
